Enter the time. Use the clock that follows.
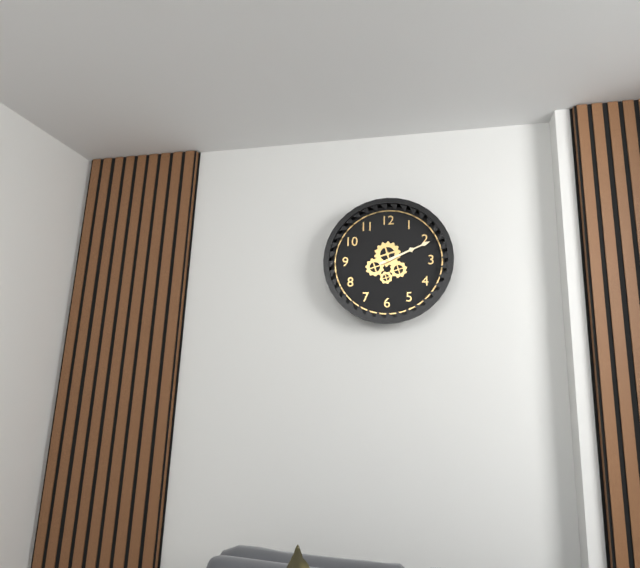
2:11
